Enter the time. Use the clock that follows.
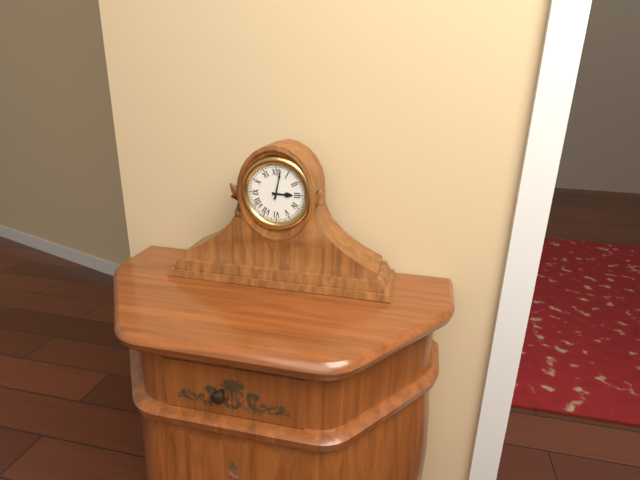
3:02
